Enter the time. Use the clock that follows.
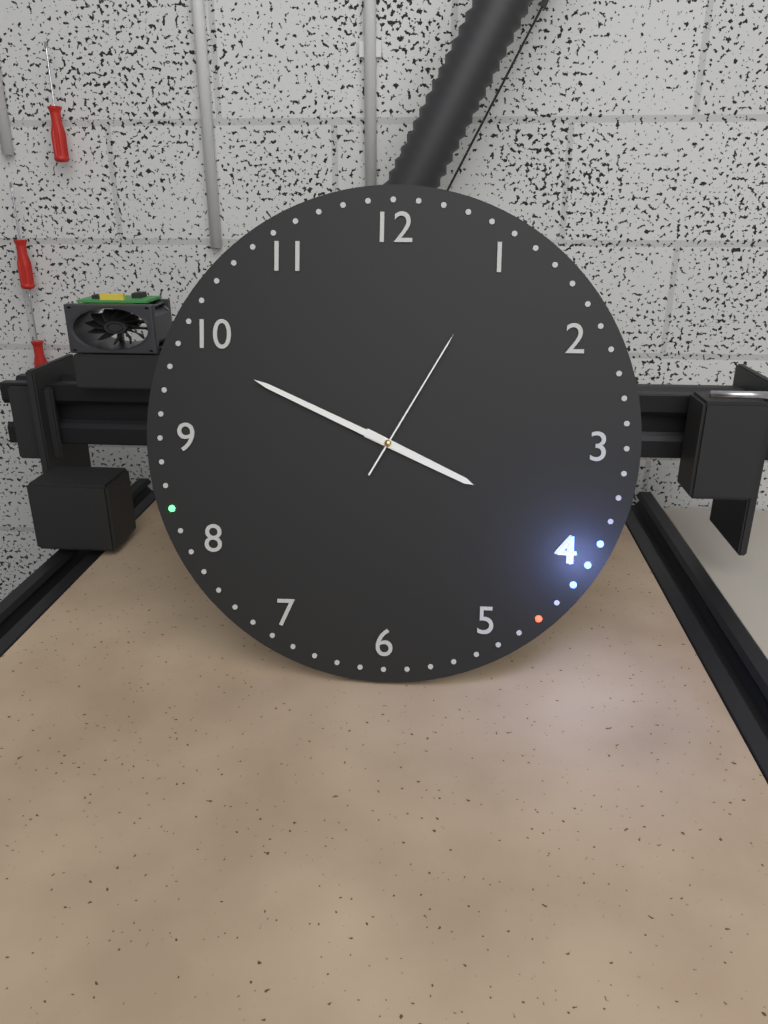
3:49:05
